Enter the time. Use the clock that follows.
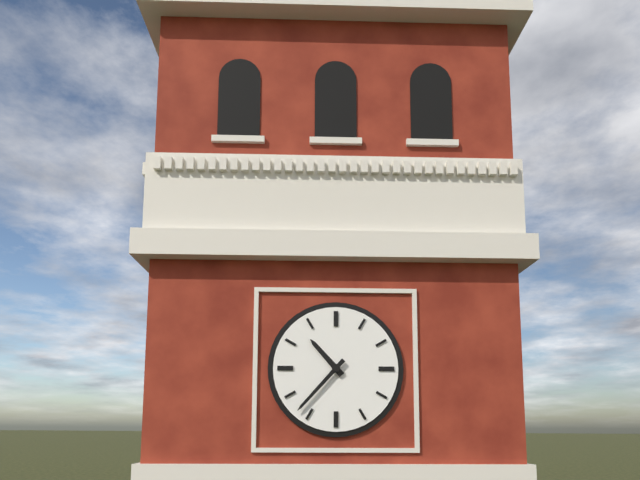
10:37
